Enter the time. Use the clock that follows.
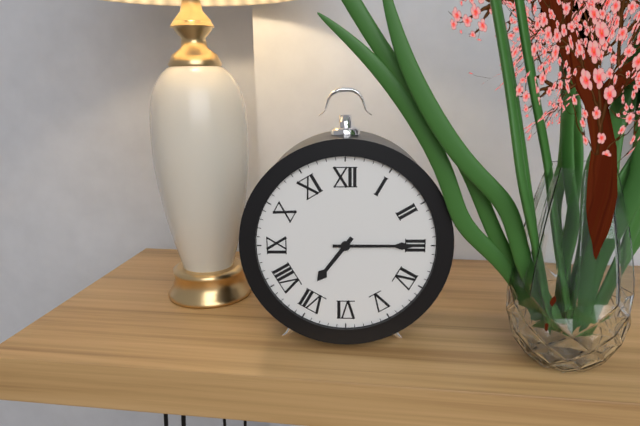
7:15
